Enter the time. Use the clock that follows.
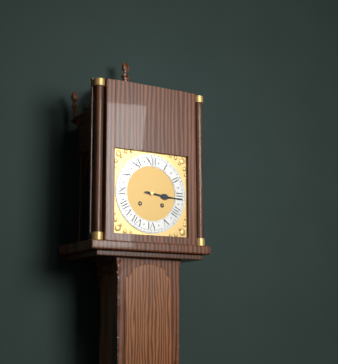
3:16
